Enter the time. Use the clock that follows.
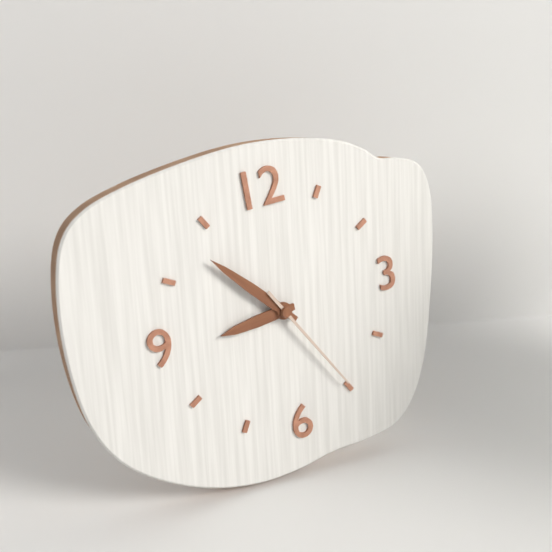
8:53:25
